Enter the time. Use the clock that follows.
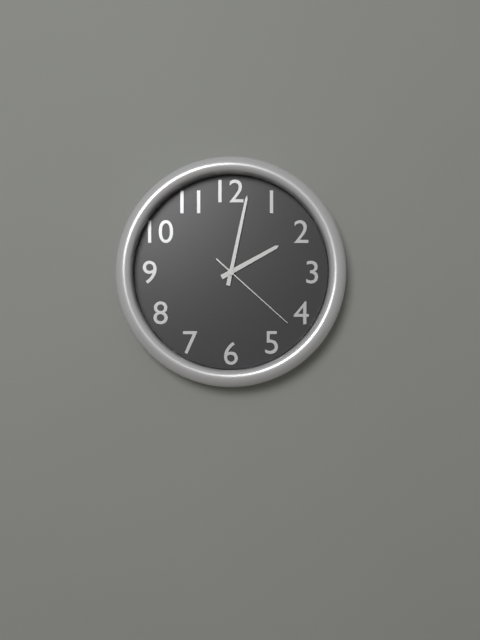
2:02:22
